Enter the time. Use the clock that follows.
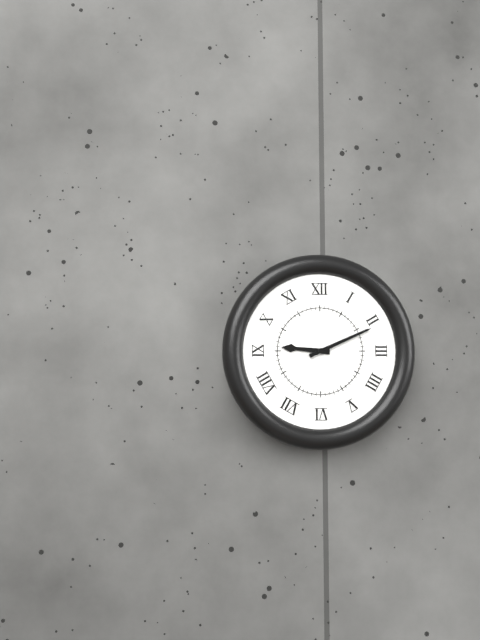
9:11
